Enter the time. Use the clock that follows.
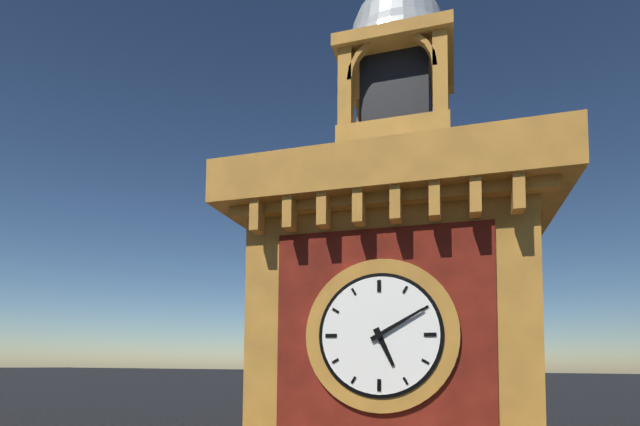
5:10
